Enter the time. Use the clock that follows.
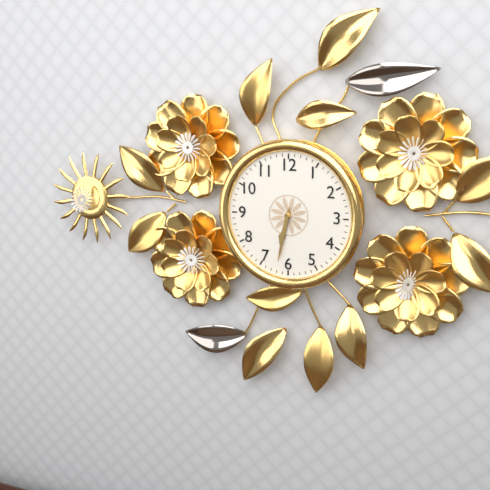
6:32
